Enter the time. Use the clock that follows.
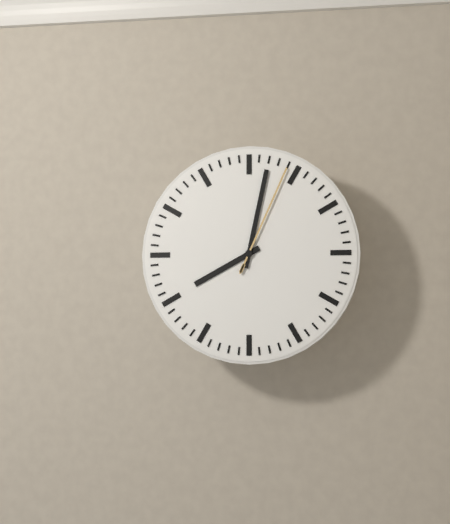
8:02:04
